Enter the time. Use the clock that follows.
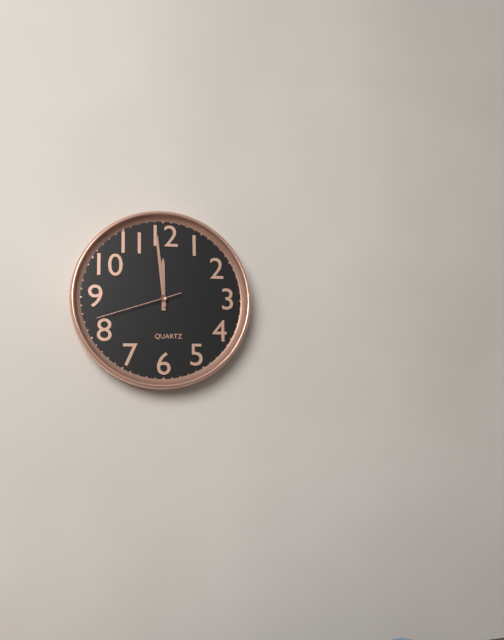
11:59:42
